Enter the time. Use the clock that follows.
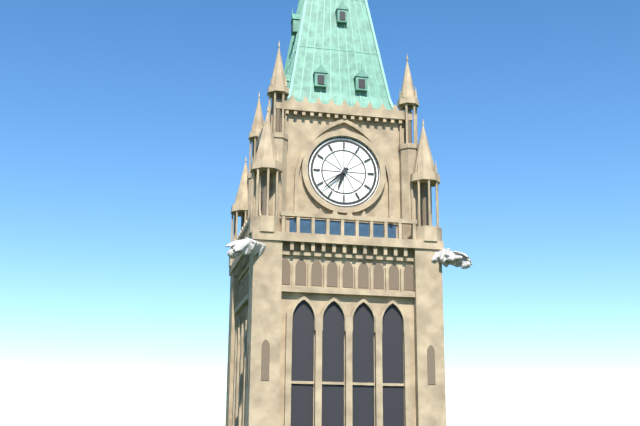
6:38
